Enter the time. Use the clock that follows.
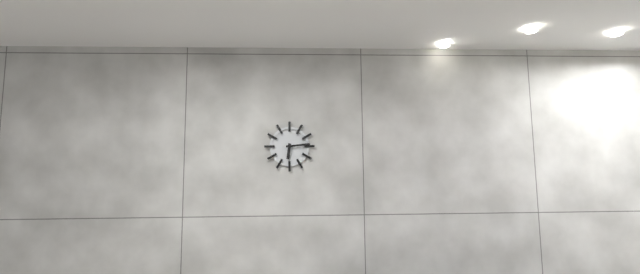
6:14
